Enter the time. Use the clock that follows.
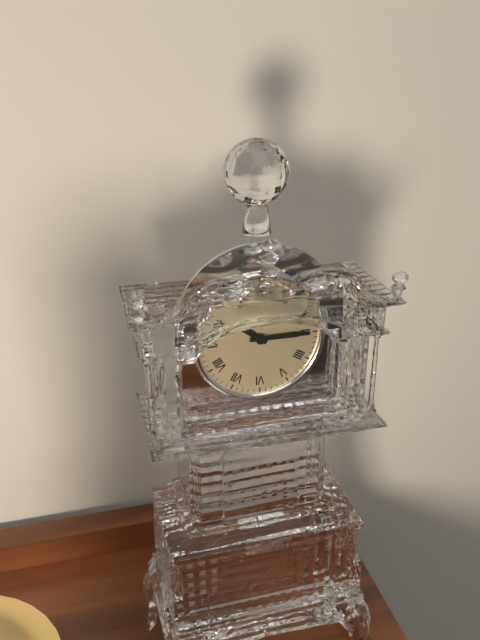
10:15
